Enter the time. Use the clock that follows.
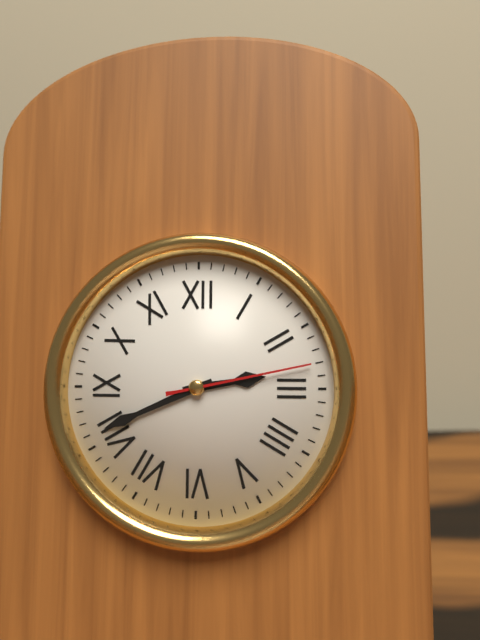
2:41:13
